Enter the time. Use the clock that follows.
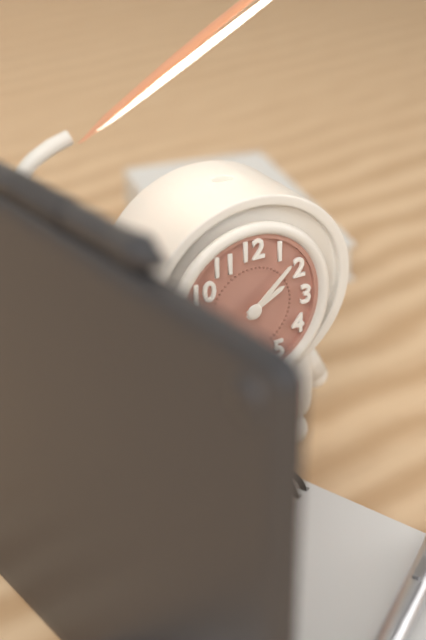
2:08
